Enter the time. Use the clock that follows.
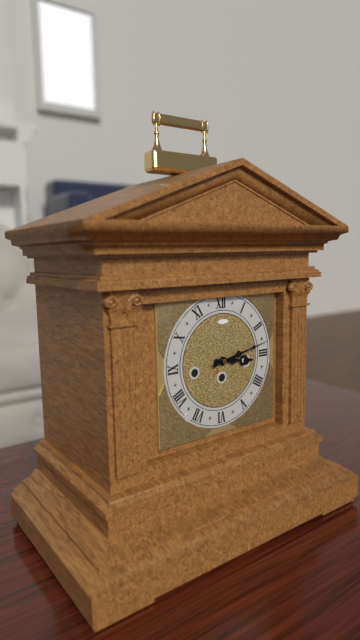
3:13
